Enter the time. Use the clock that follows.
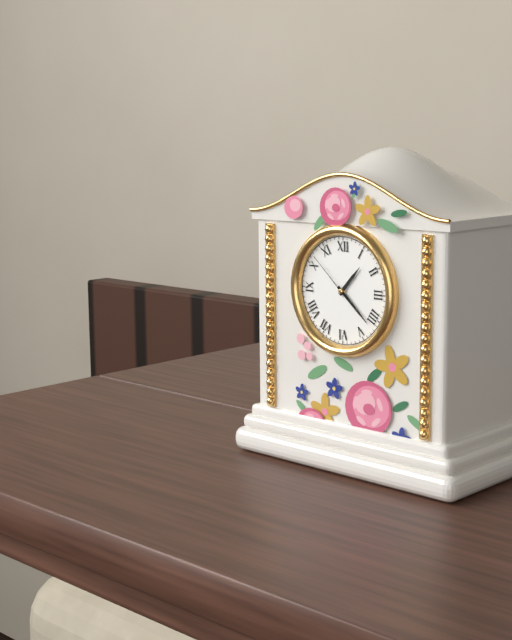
1:22:52
